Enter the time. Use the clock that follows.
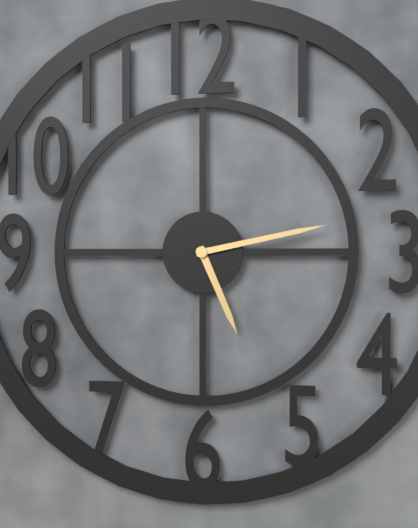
5:13
